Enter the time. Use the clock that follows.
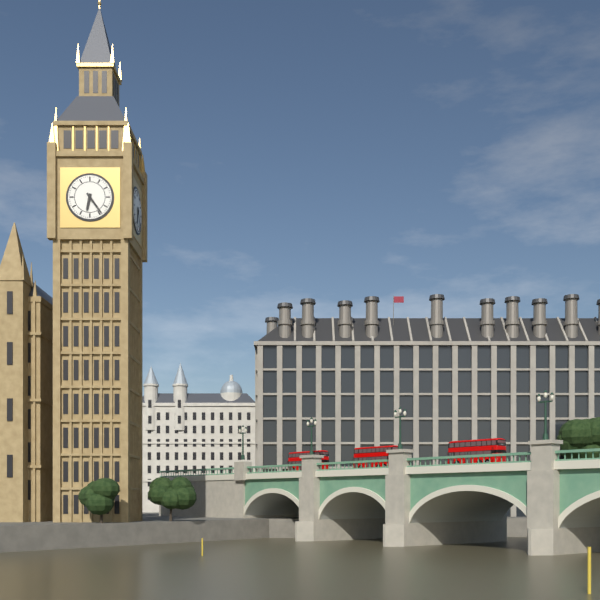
6:24
